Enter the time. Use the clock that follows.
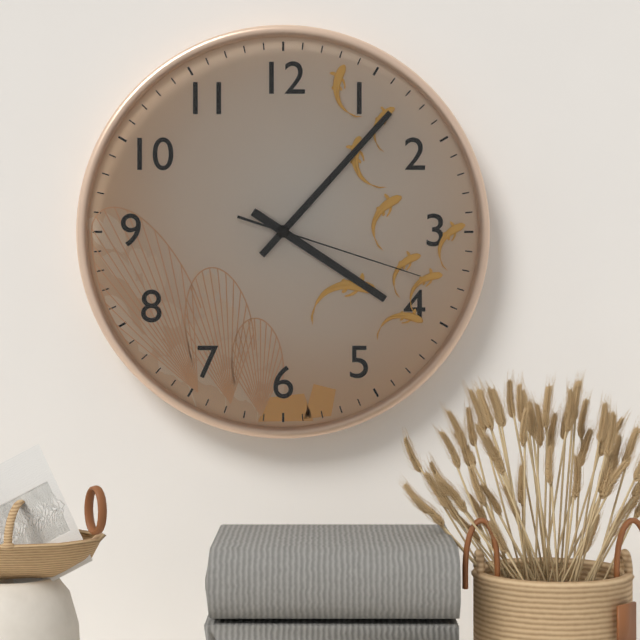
4:07:18
